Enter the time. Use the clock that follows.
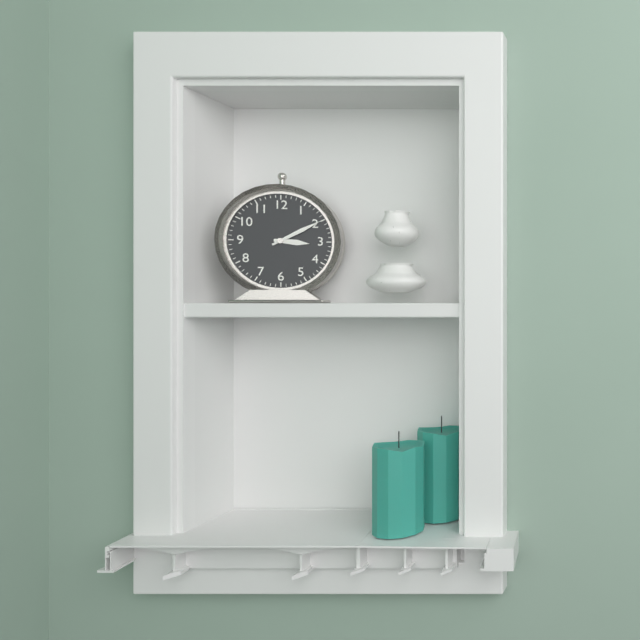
3:10
